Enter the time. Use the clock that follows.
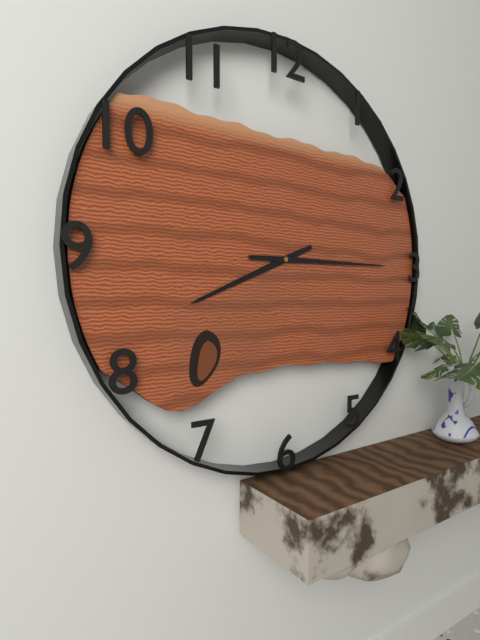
8:15
